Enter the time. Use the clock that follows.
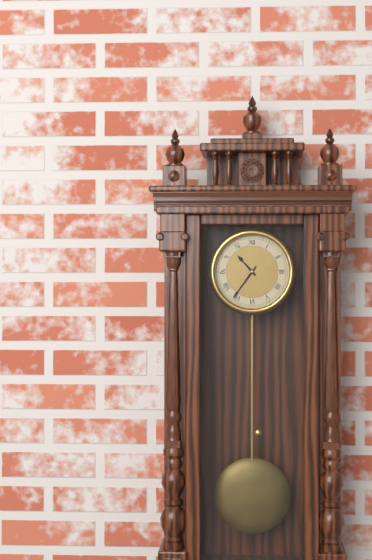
10:36
